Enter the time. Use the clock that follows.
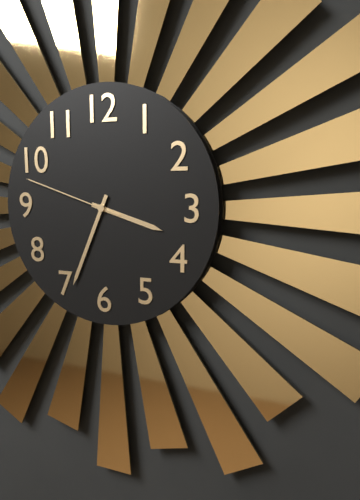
3:34:48
